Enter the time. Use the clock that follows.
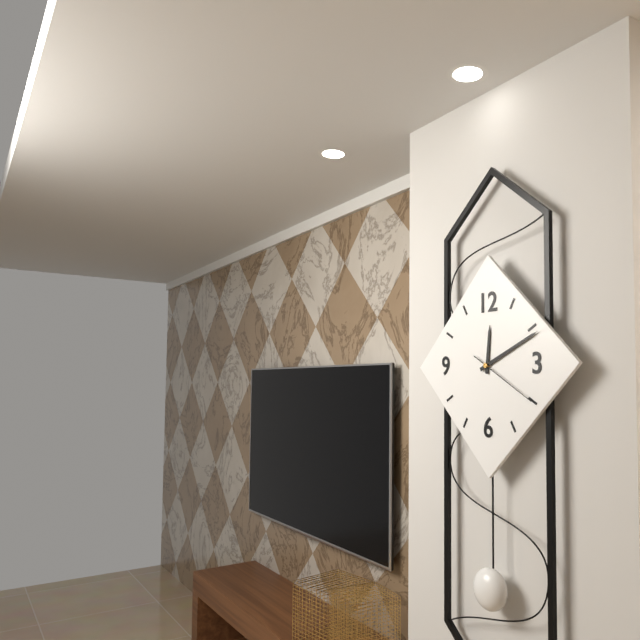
12:11:20
